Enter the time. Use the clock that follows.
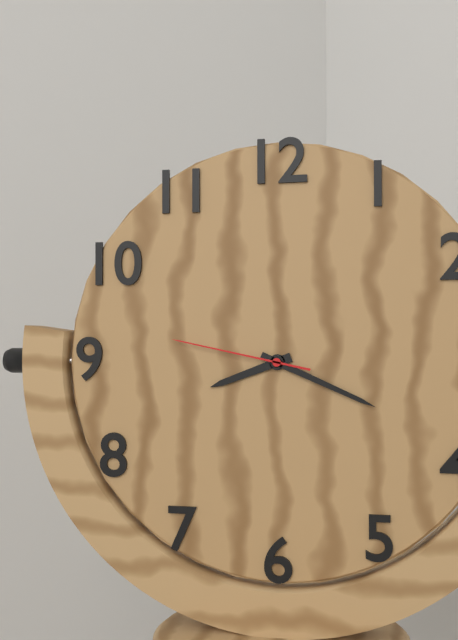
8:19:47
